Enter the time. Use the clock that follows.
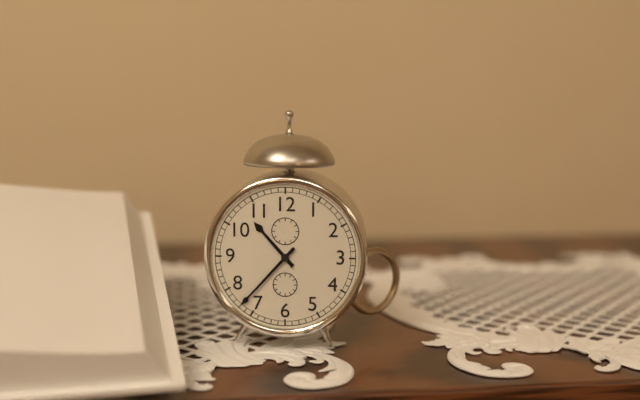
10:37
